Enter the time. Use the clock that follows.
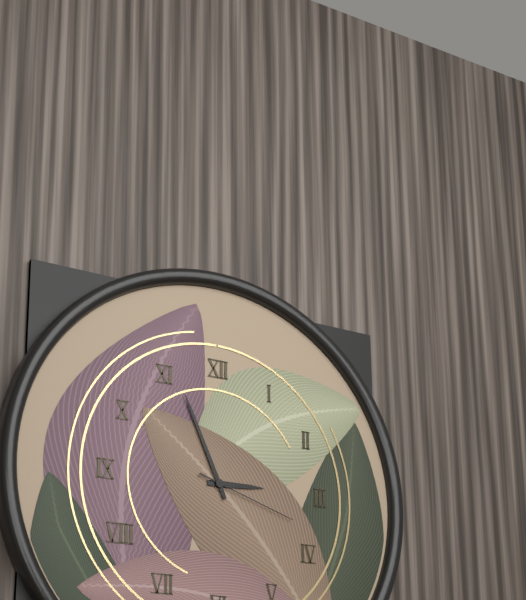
2:56:18
